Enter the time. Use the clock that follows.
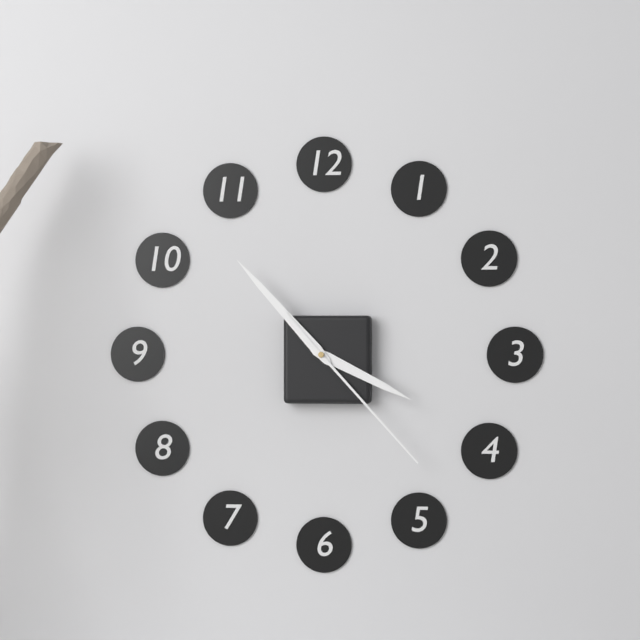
3:53:23
